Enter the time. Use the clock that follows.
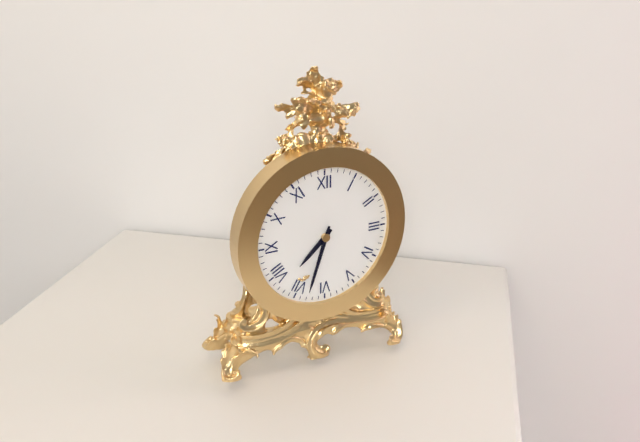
7:33
